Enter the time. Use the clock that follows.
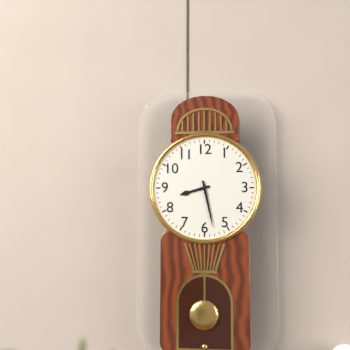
8:28
